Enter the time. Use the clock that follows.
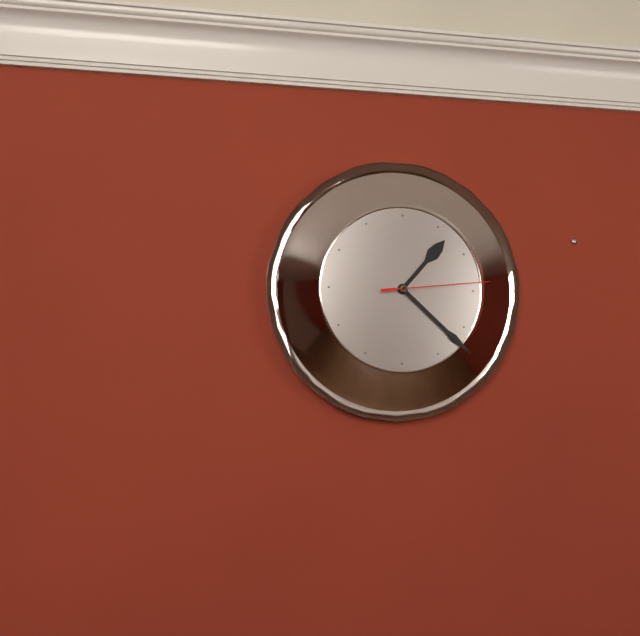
1:22:14
